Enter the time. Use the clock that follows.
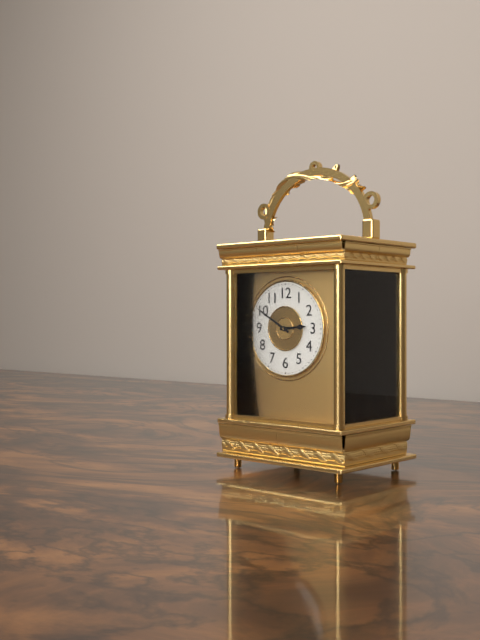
2:50
